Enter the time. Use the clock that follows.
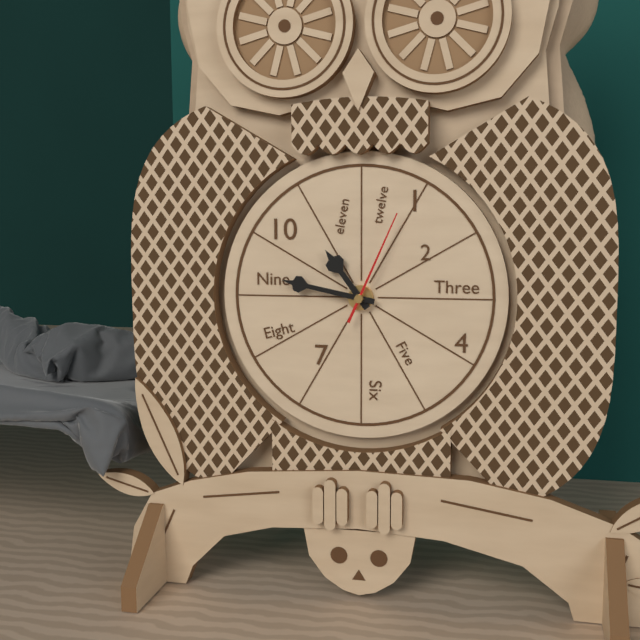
10:47:04
